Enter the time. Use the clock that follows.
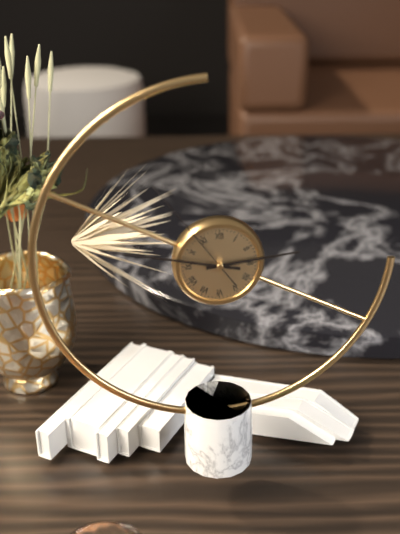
2:47:54
